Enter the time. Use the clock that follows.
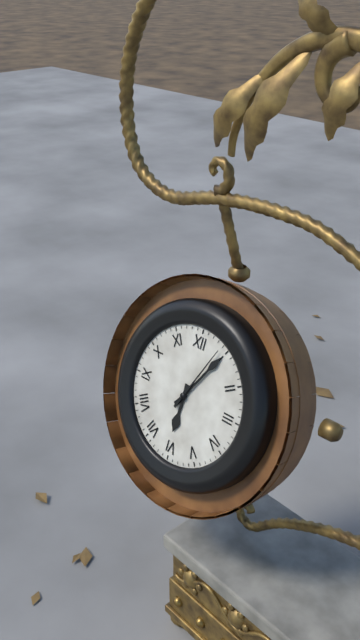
6:05:04
